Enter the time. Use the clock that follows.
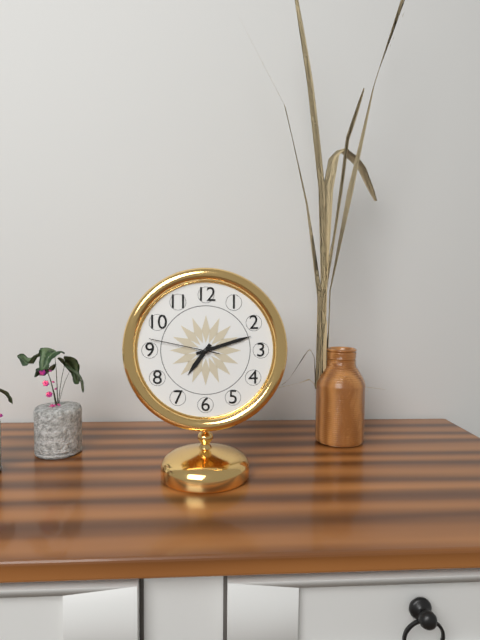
7:12:47
